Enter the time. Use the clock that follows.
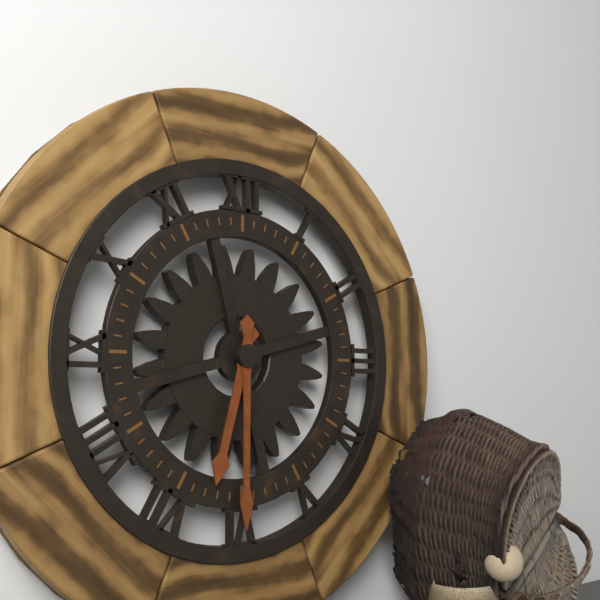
6:30
